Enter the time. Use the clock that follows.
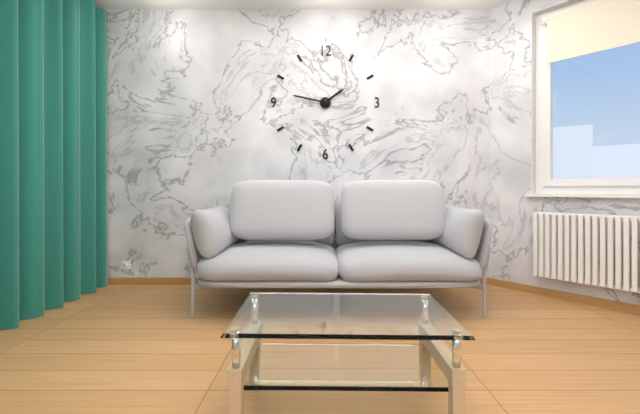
1:47
